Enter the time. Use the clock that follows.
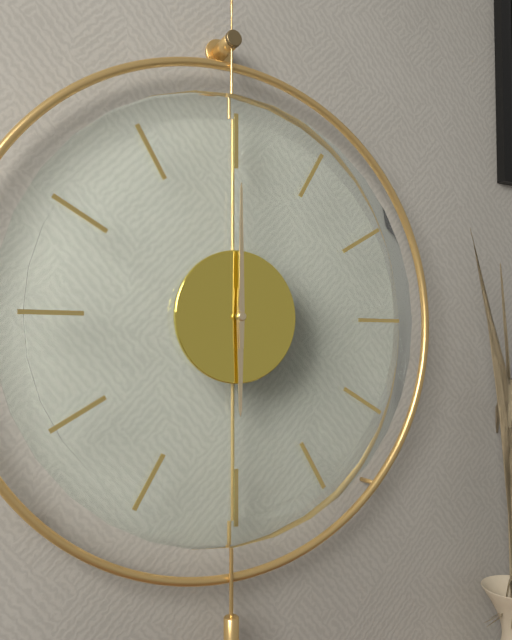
6:00
